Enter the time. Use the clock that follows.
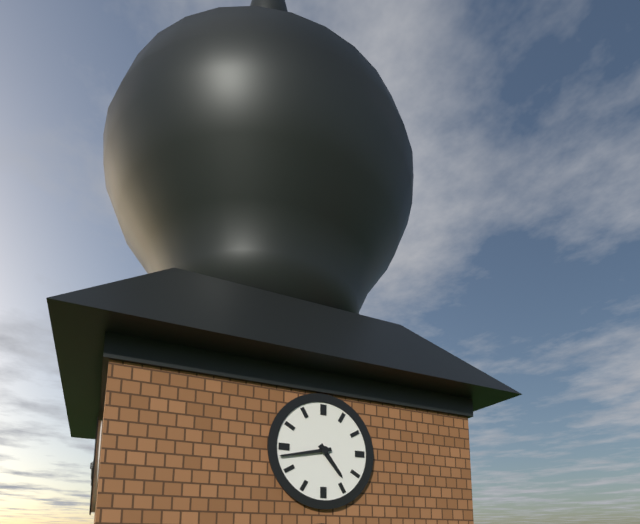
4:43
